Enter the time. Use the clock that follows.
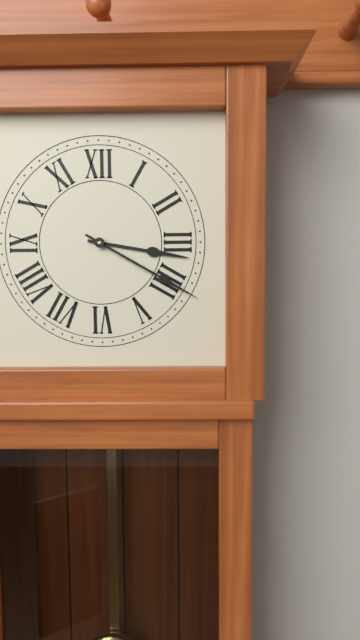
3:20
